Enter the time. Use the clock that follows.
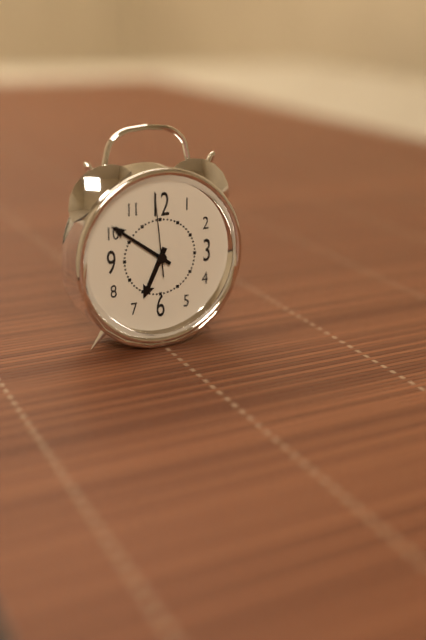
6:51:59
